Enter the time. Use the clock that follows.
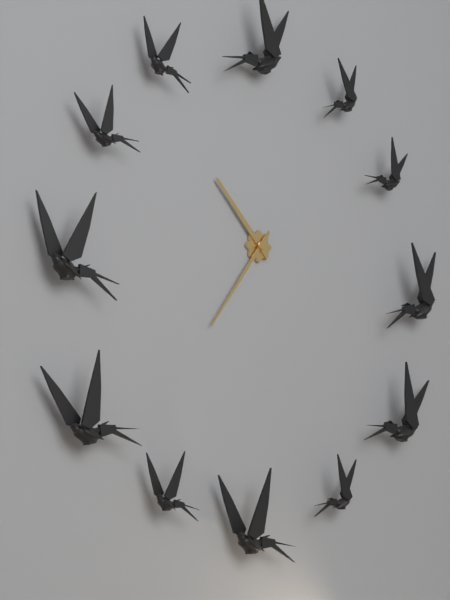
10:36
